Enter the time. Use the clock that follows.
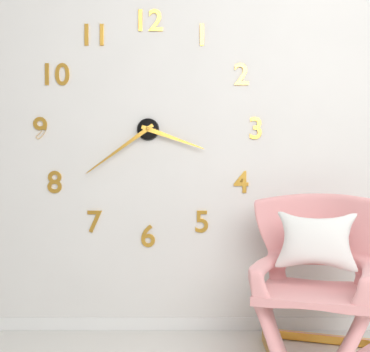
3:39
